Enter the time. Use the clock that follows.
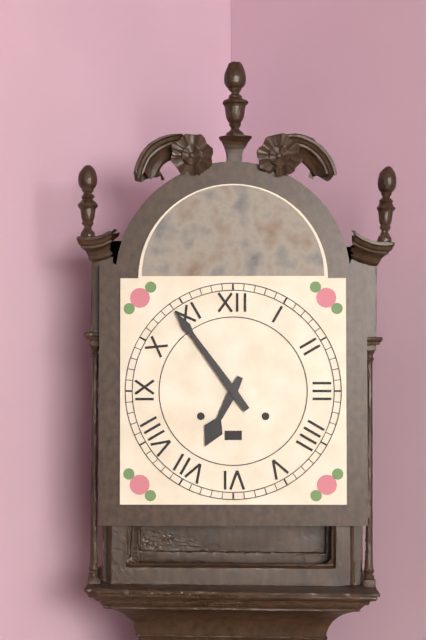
6:54
